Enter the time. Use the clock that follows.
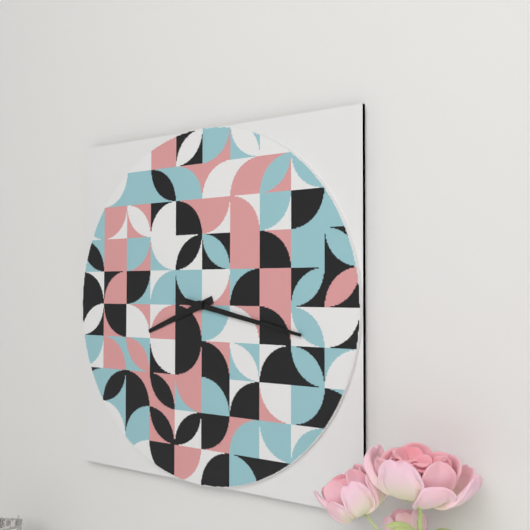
8:17
